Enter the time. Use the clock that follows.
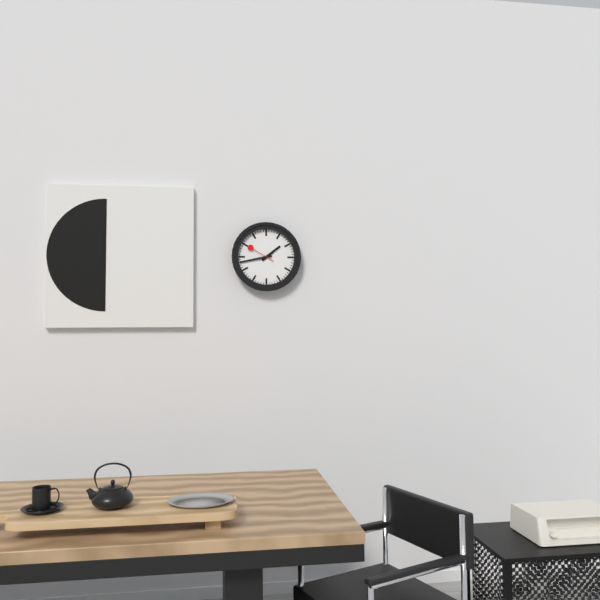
1:43
